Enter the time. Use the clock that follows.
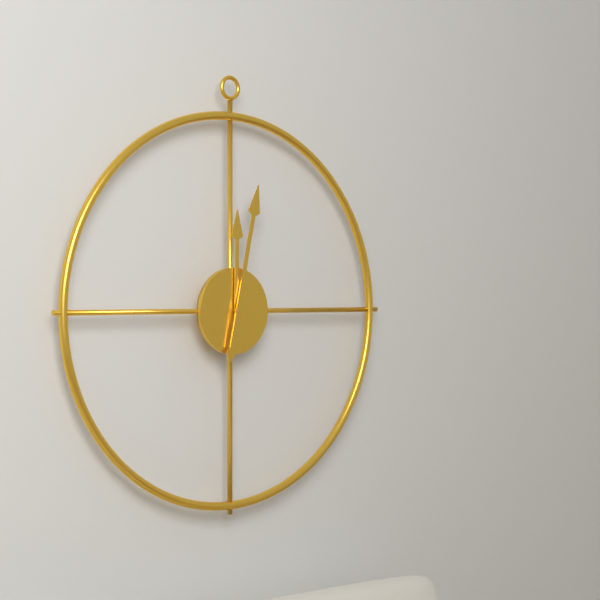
12:02
